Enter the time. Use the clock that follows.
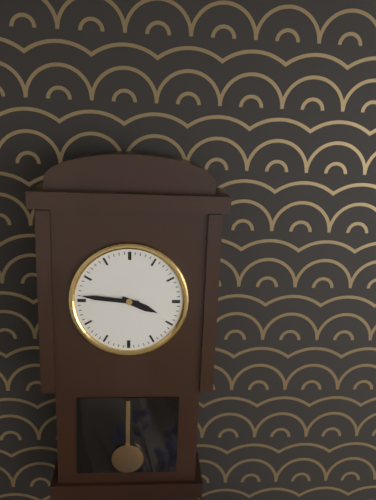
3:46
